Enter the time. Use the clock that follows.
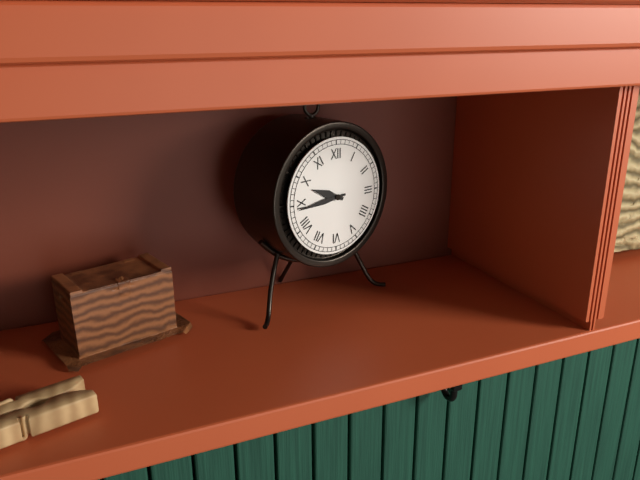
9:44
